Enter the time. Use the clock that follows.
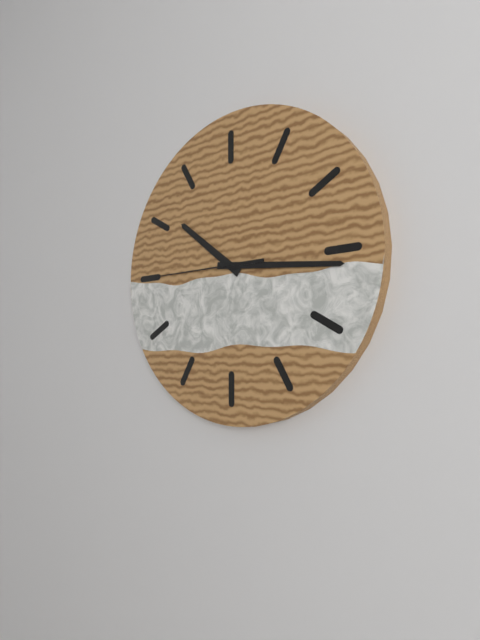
10:16:45
